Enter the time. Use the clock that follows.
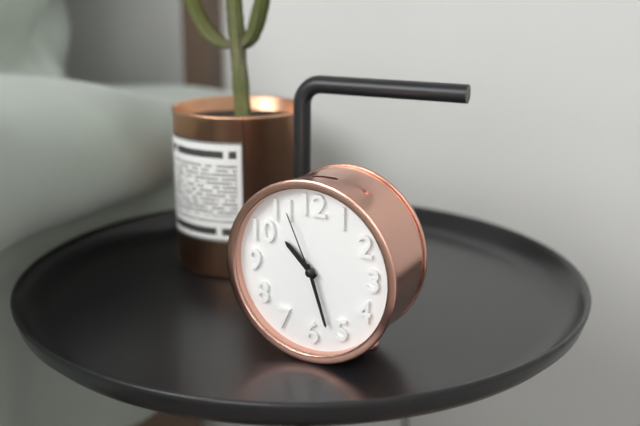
10:27:56
